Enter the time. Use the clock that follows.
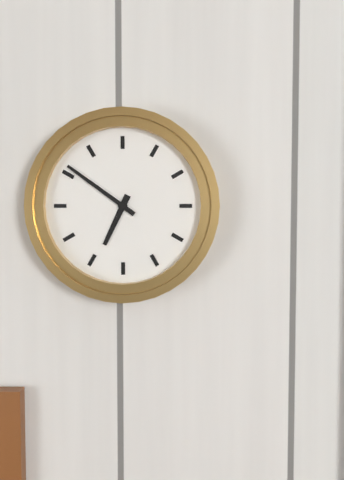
6:51
